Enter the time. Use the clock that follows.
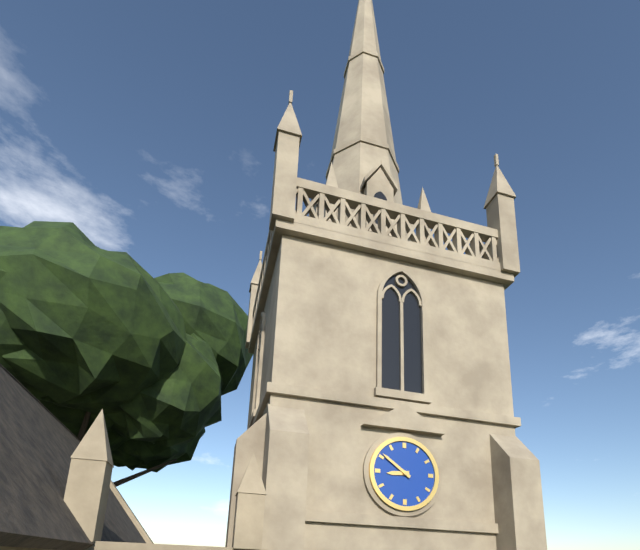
8:51
